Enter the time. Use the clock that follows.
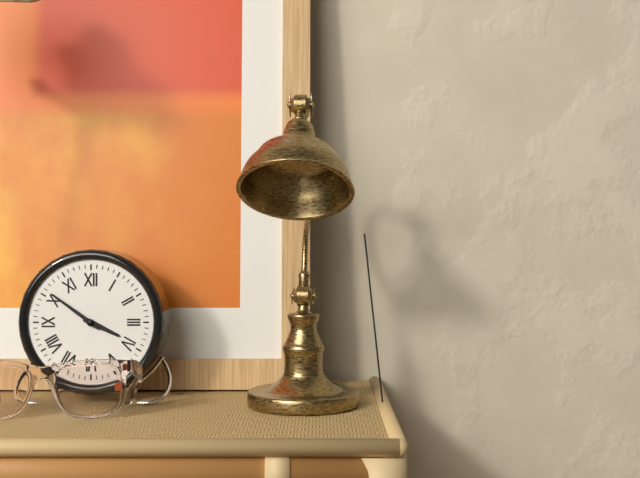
3:51
